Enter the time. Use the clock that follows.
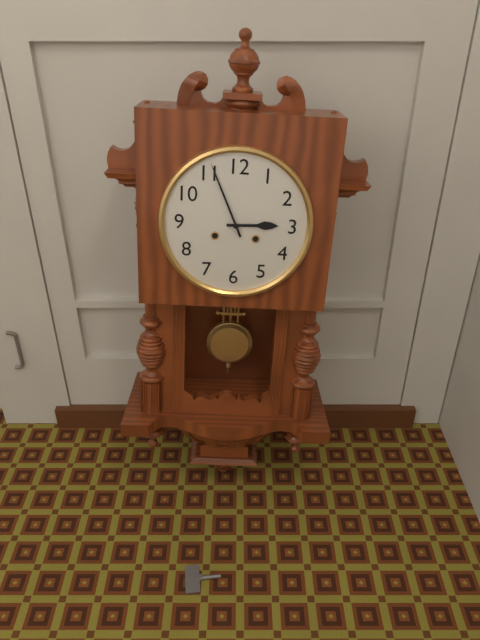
2:56
